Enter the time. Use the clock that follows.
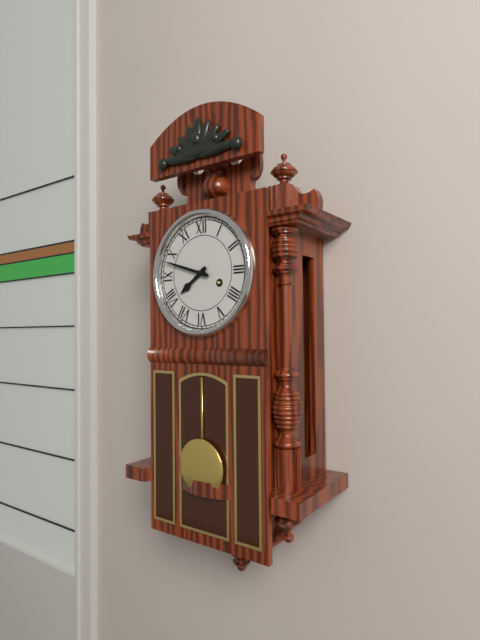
7:48
